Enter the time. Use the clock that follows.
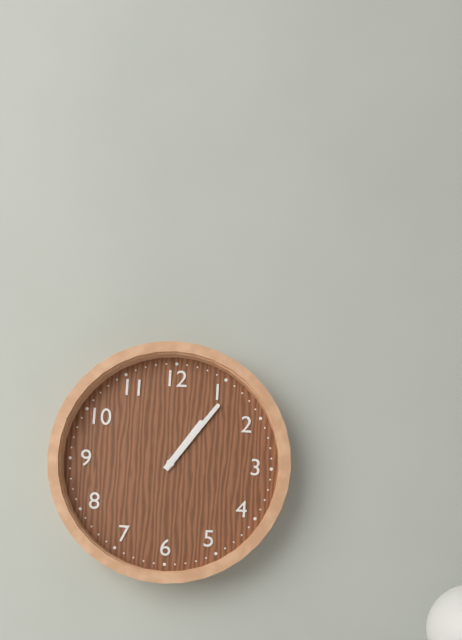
1:06
